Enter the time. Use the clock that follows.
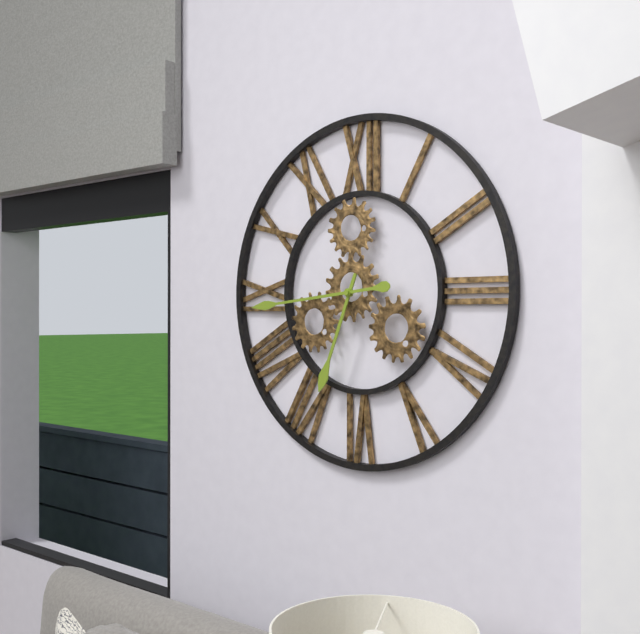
6:44
